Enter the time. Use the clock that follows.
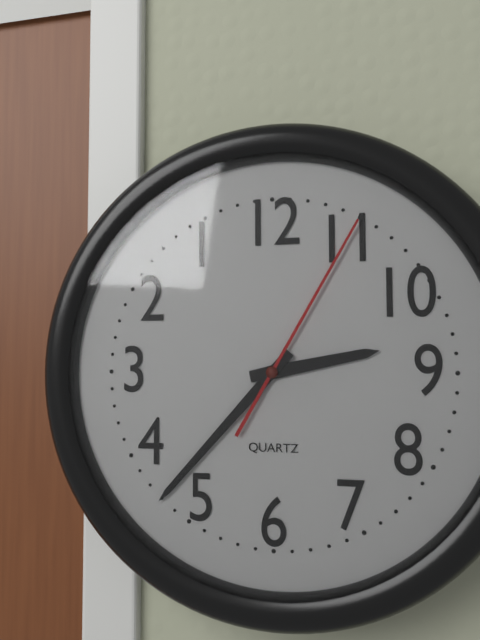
2:37:05
